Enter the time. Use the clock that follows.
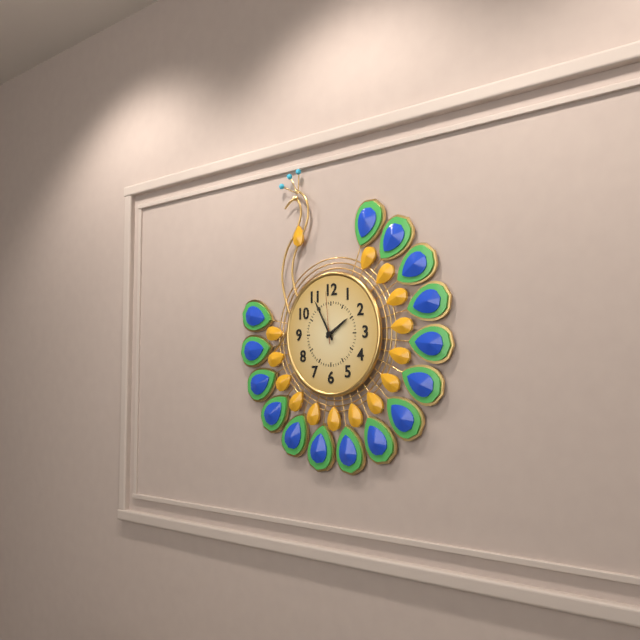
1:55:59
